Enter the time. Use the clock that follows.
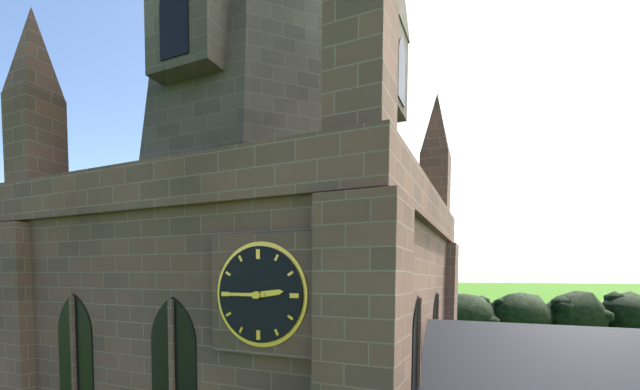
2:45
